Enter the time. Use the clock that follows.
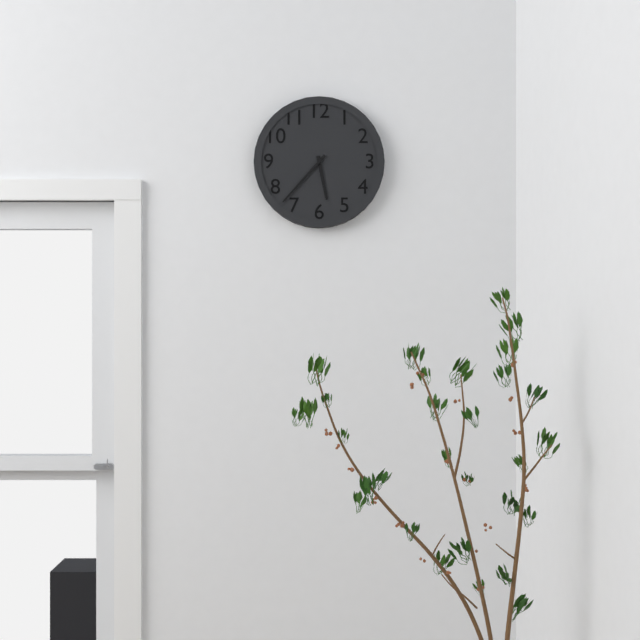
5:37
